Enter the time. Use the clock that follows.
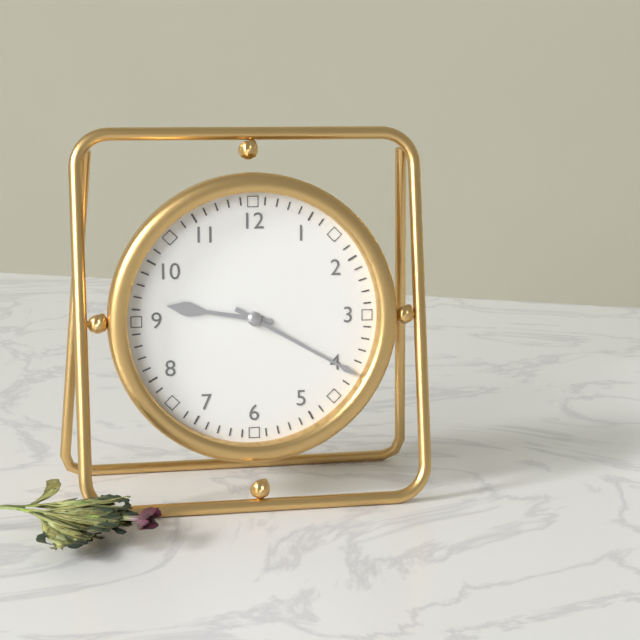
9:20
